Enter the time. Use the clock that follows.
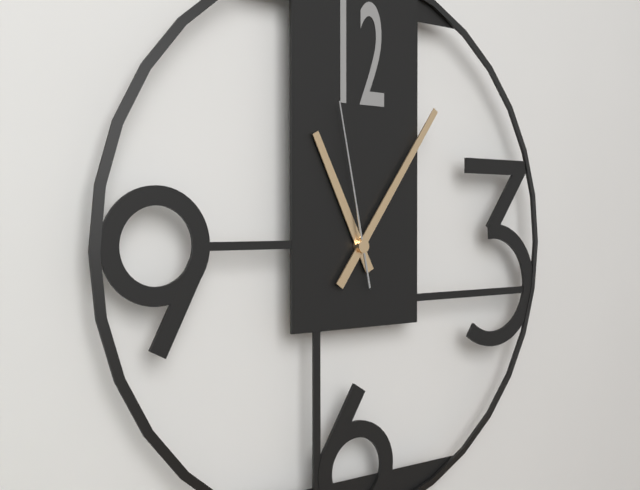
11:06:58
